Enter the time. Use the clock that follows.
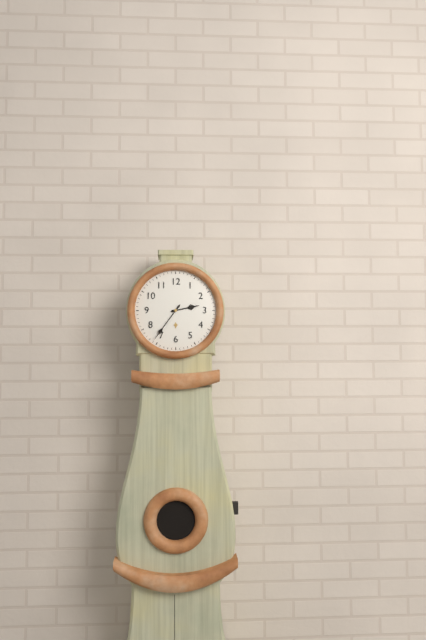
2:36
